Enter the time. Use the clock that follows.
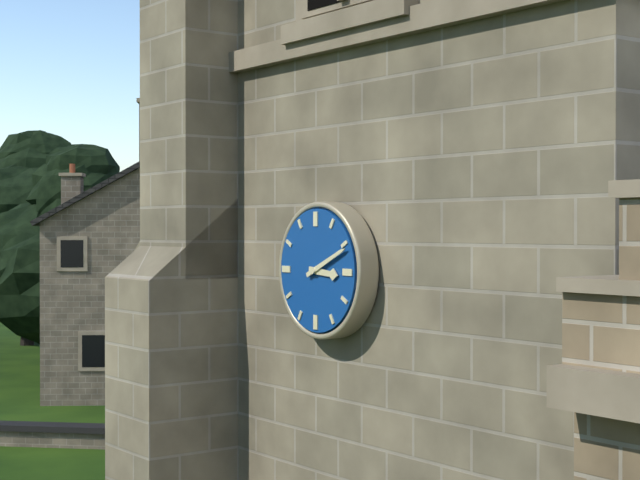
3:11
